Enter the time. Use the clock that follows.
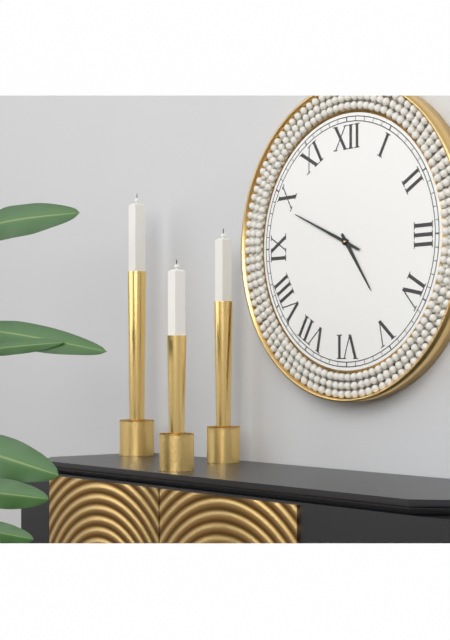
4:49
